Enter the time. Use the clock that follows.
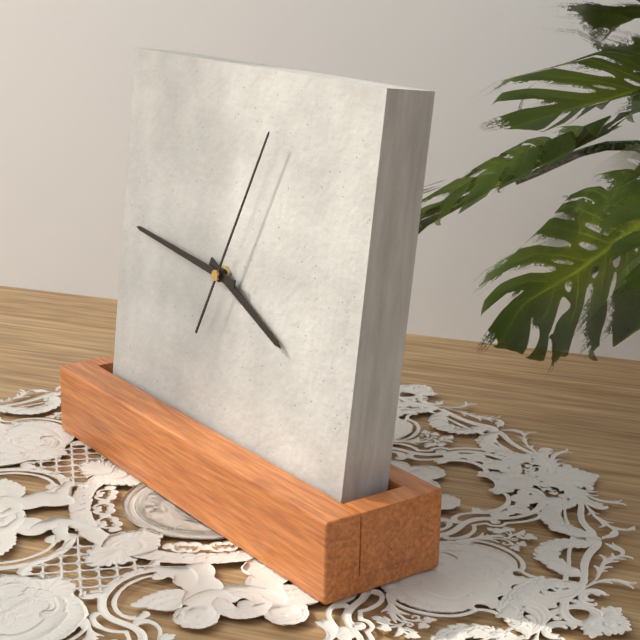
3:46:04
